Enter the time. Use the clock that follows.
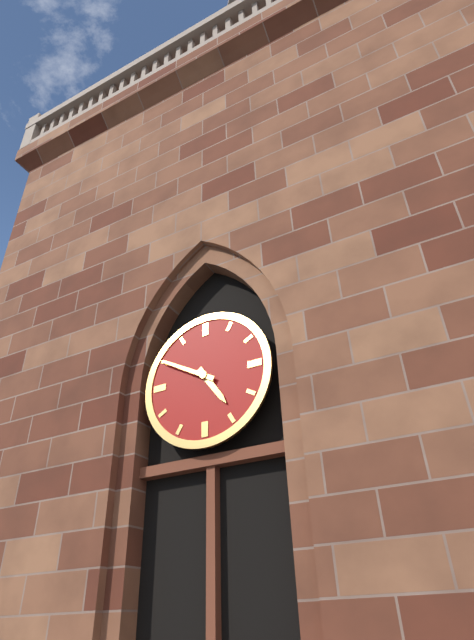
4:50
